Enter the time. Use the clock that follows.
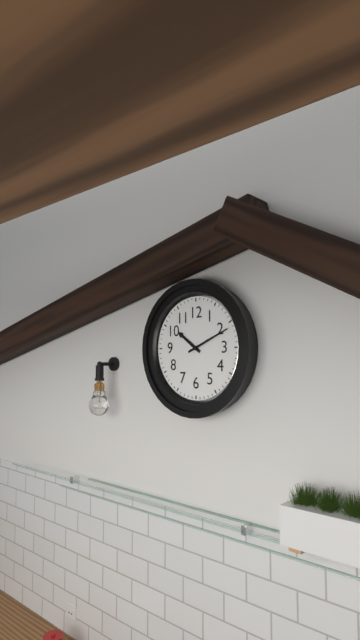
10:11
